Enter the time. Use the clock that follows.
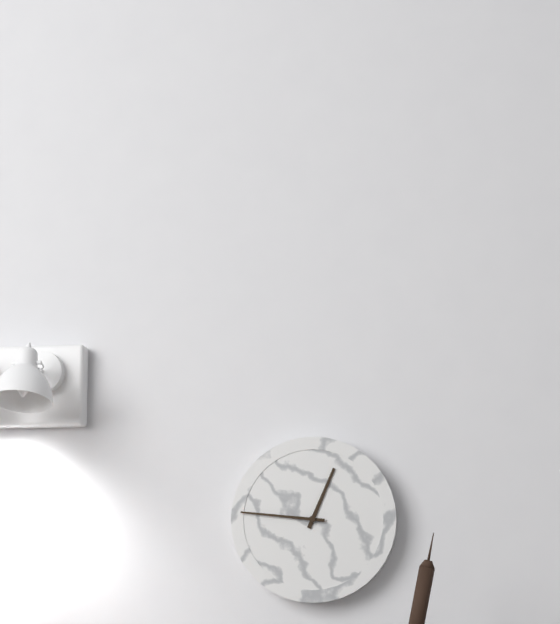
12:46
